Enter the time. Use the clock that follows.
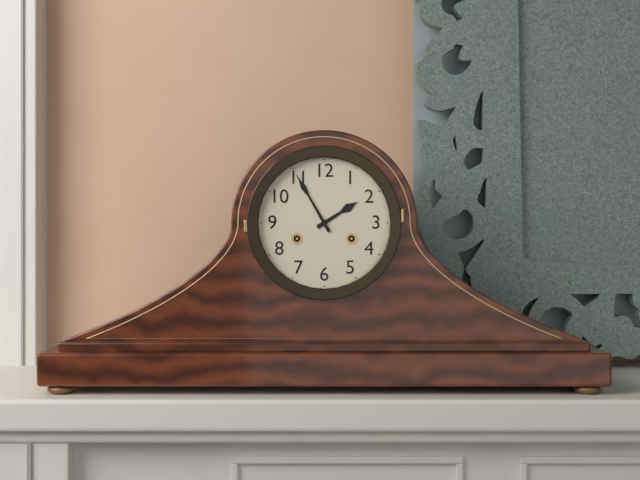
1:55
